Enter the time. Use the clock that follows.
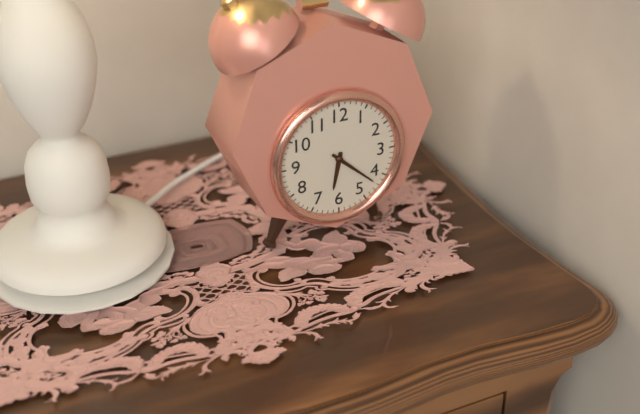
6:22
